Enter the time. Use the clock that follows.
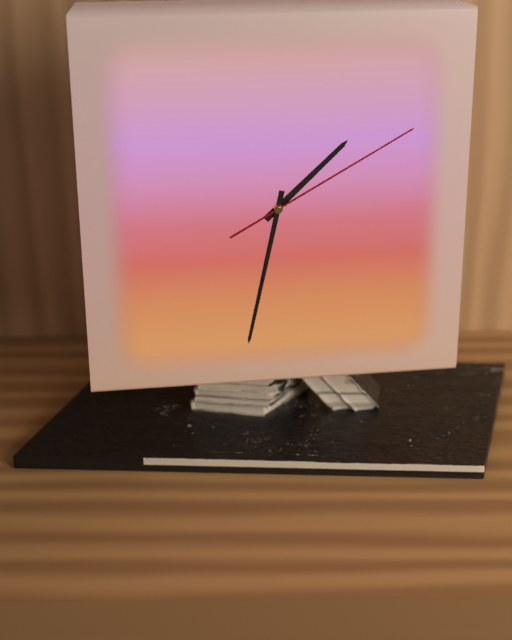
1:32:10
